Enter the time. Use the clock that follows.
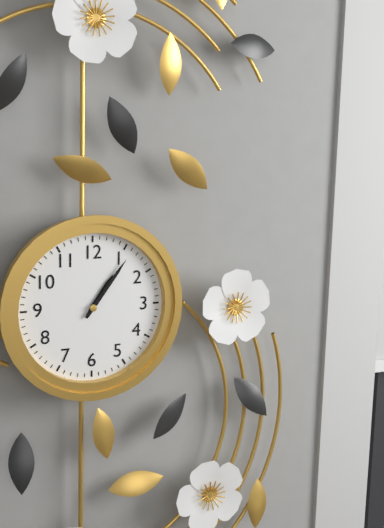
1:06
